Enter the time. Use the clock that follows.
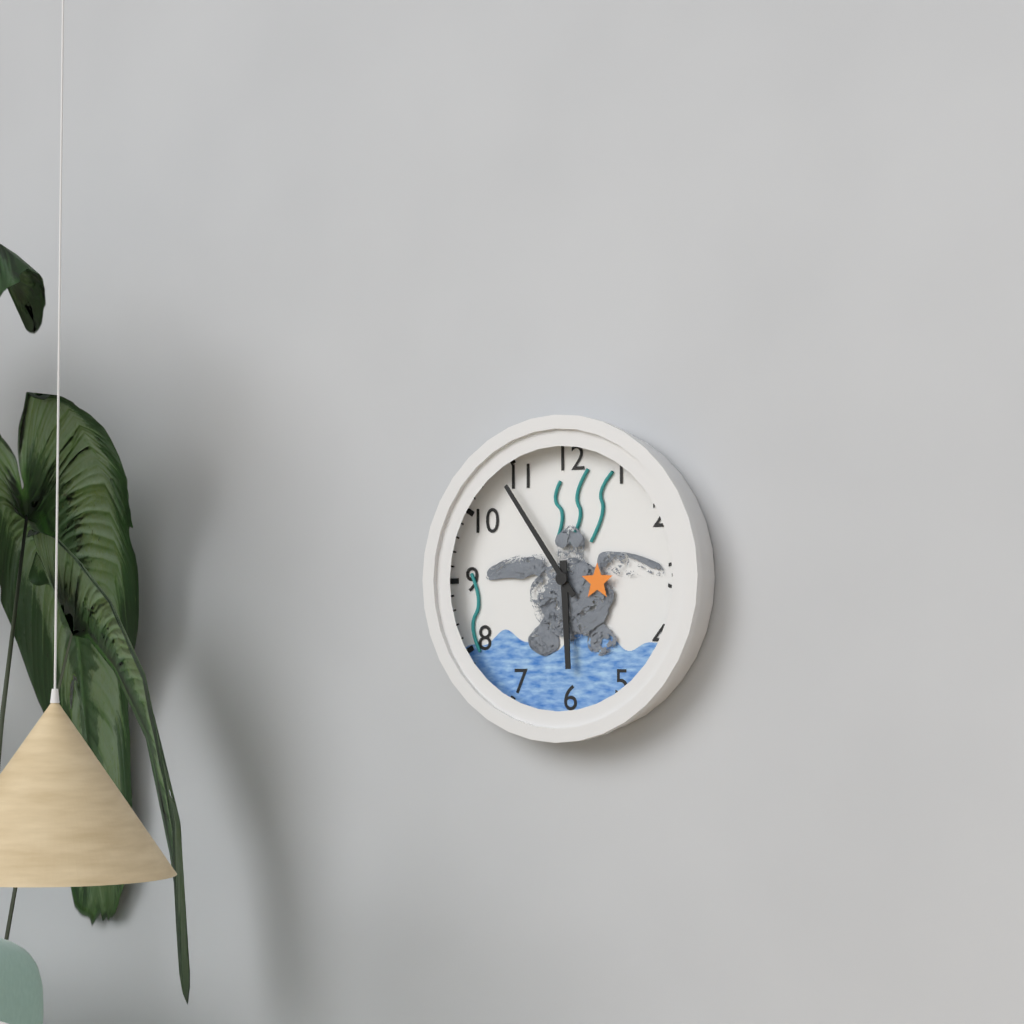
5:54
